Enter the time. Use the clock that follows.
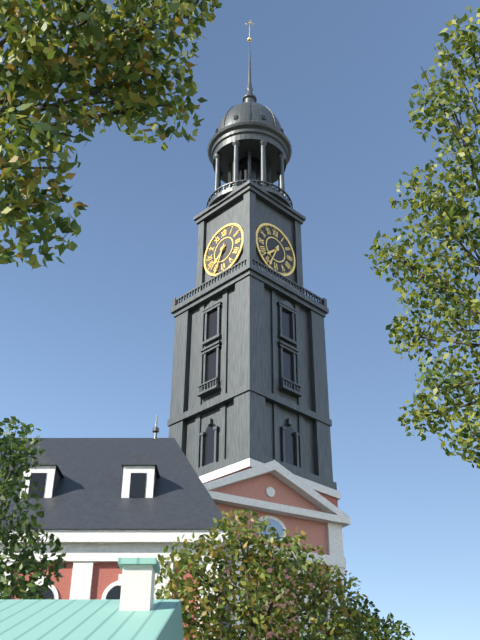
7:34
